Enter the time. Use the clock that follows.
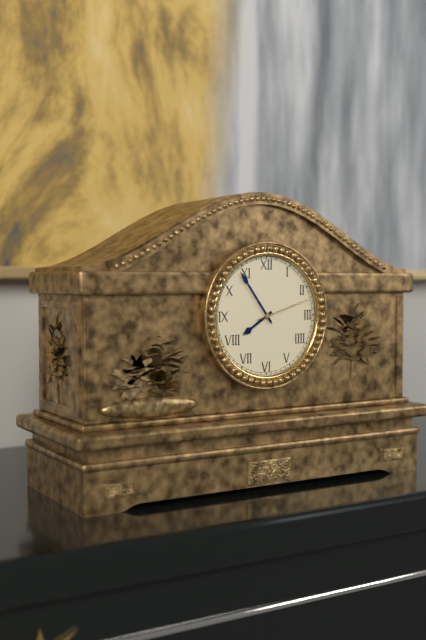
7:54:12
